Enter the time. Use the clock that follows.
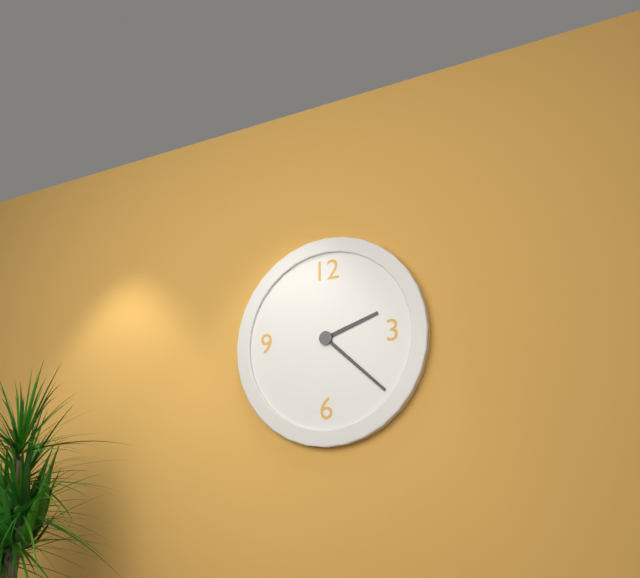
2:22
